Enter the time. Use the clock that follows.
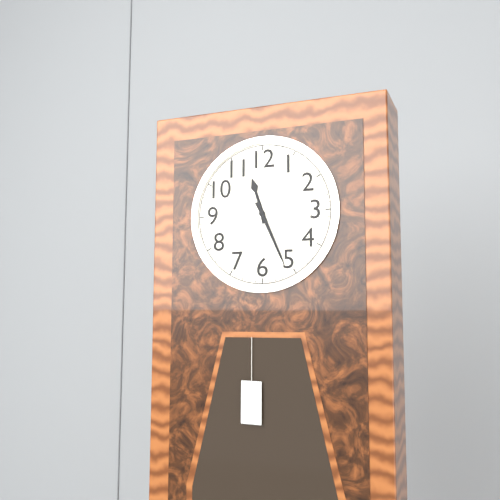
11:26
